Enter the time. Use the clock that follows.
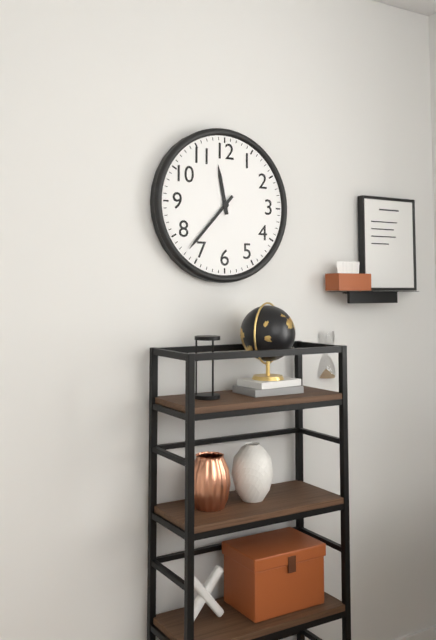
11:37
